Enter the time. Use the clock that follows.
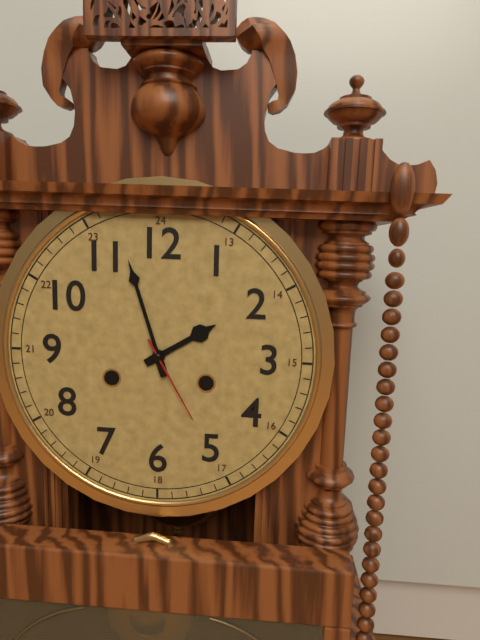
1:57:25
